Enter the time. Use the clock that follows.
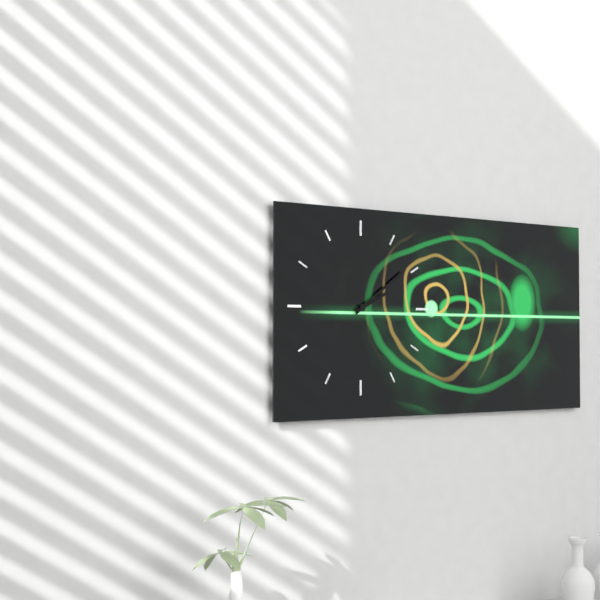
2:09
